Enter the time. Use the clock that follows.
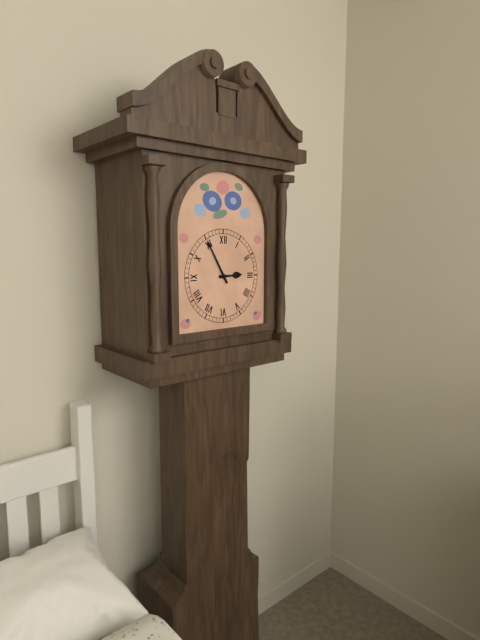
2:55
